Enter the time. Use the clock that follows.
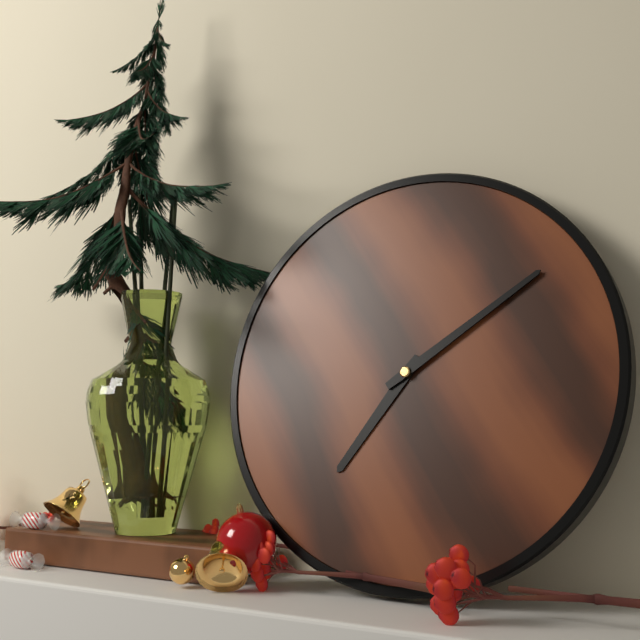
7:09
